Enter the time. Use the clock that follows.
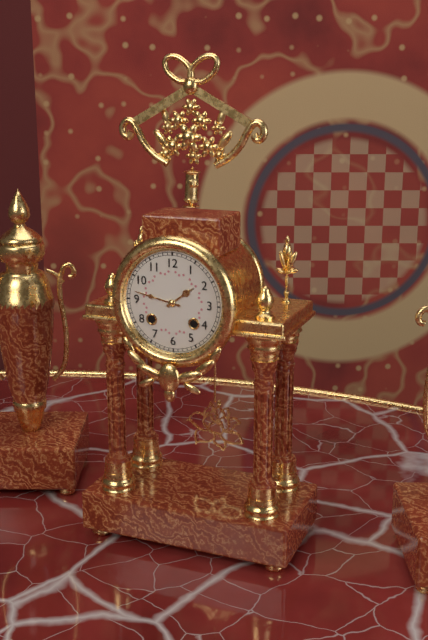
1:47
